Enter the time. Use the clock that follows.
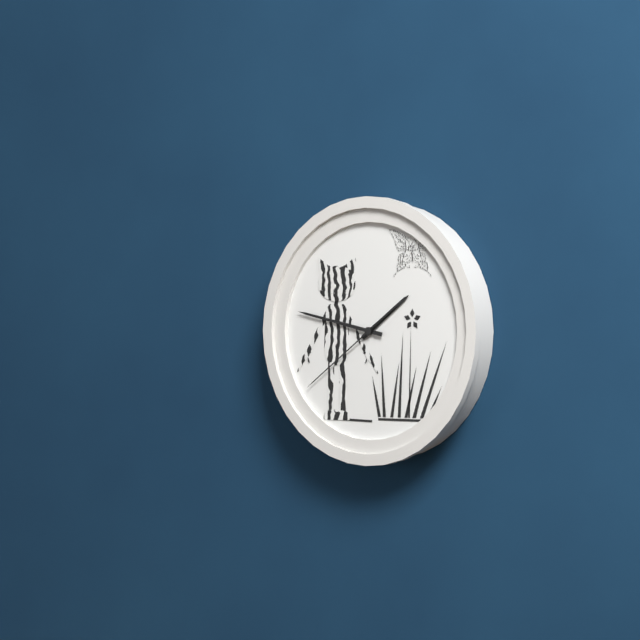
1:47:39
